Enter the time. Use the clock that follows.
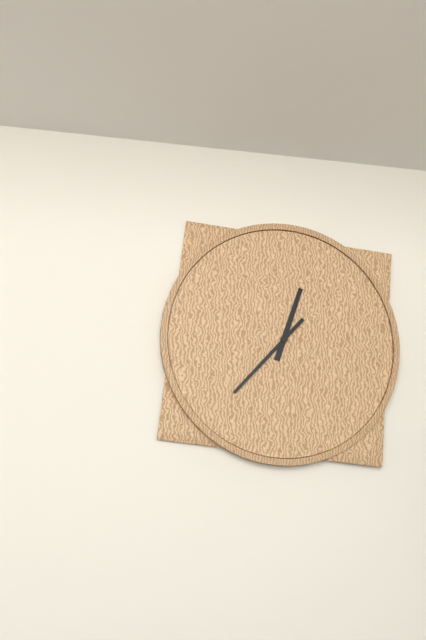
12:37
